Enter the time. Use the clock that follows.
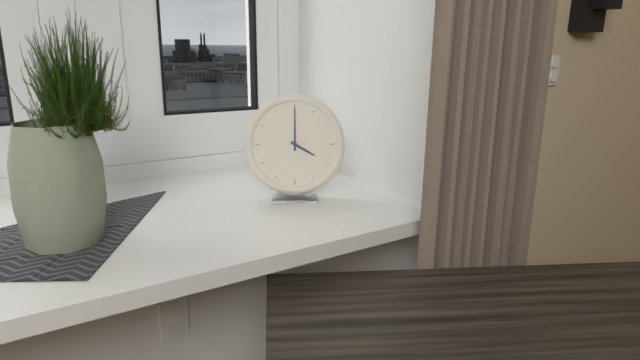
4:00
